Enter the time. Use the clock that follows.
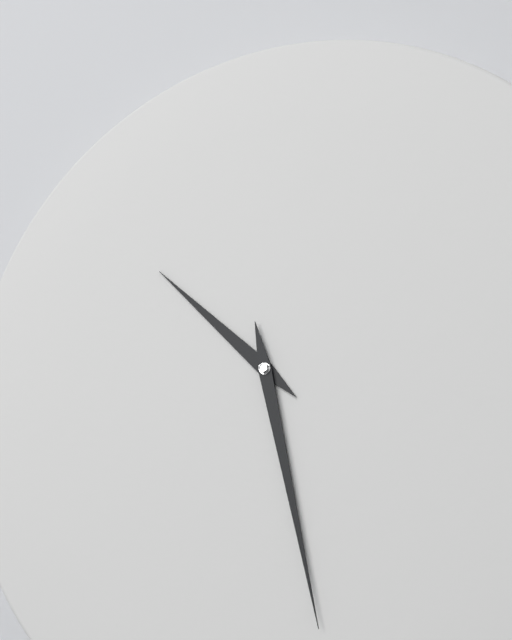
10:28
